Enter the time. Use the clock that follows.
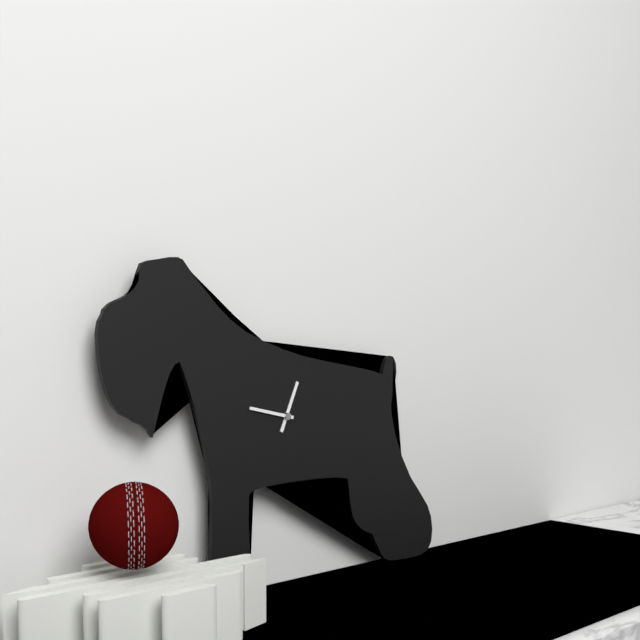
12:47
